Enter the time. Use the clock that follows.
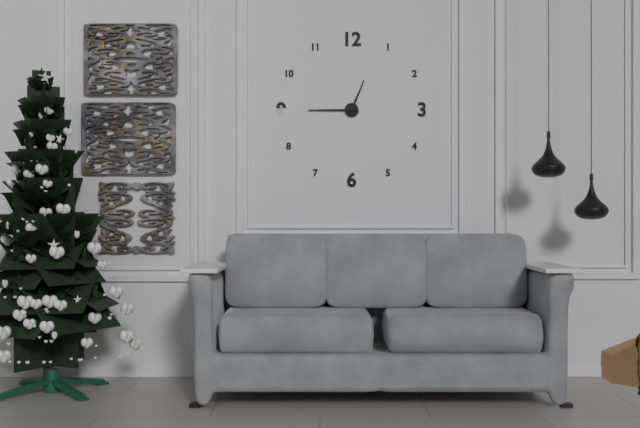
12:45
